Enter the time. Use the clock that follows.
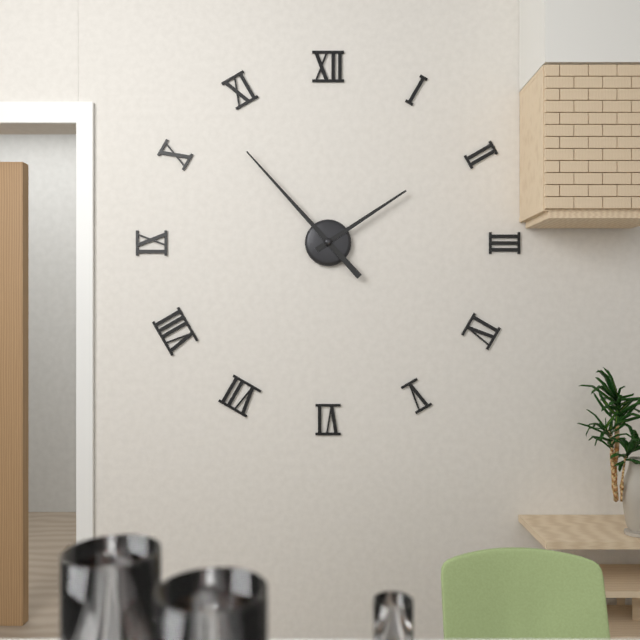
1:53
